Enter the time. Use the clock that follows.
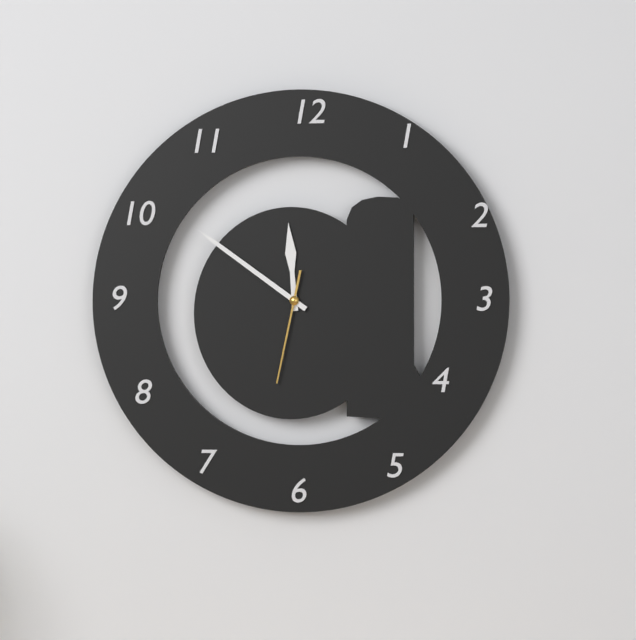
11:51:32
